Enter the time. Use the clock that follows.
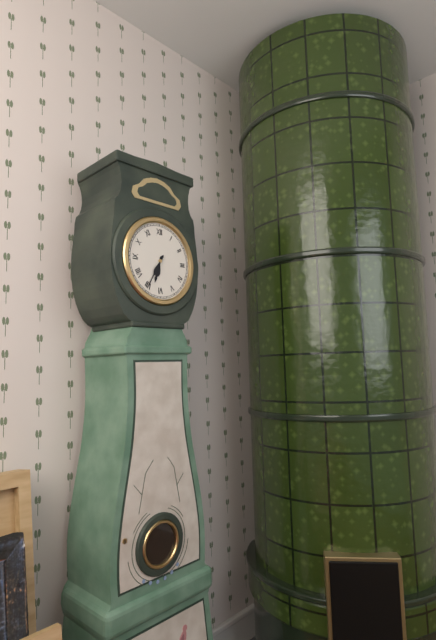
6:35
